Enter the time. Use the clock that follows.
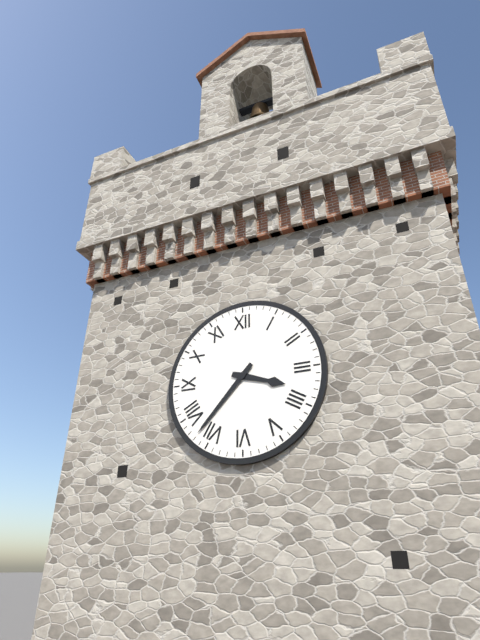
3:37
